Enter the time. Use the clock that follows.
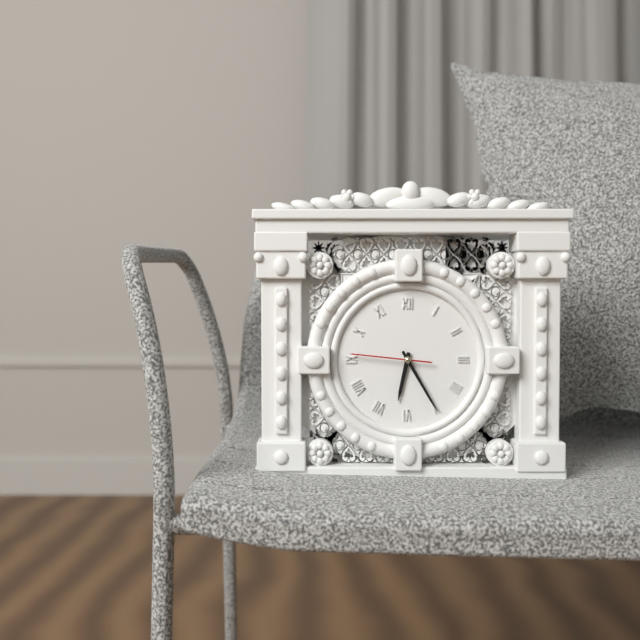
6:25:46
